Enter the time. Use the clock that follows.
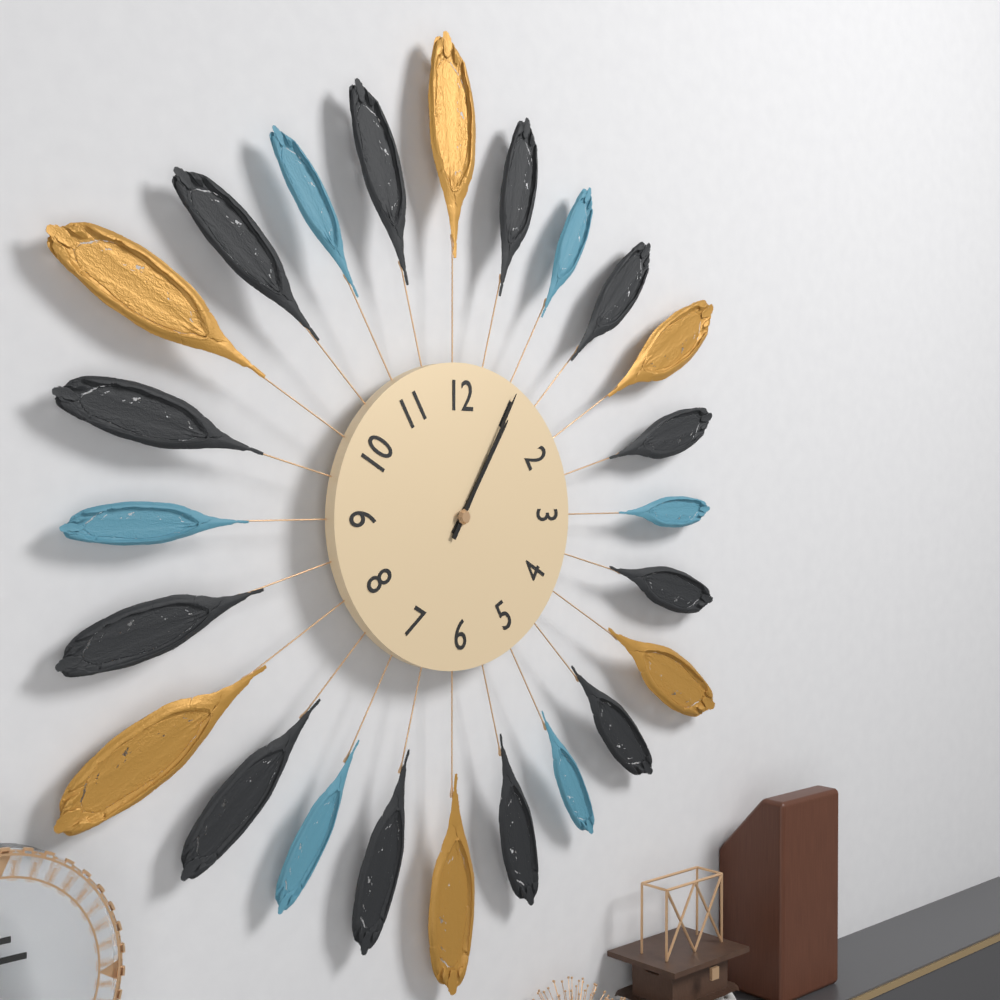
1:05
